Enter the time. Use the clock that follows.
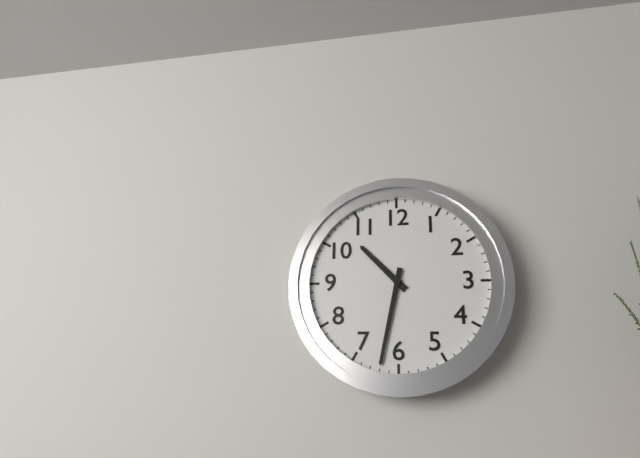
10:32
